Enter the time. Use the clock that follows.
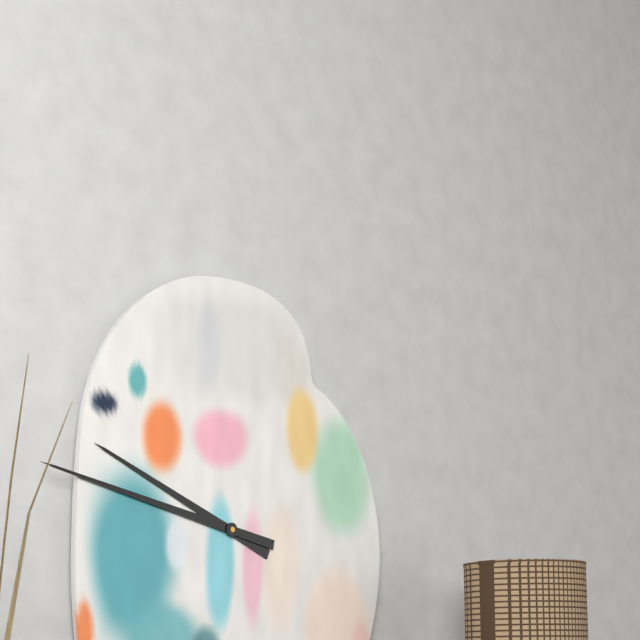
9:47
